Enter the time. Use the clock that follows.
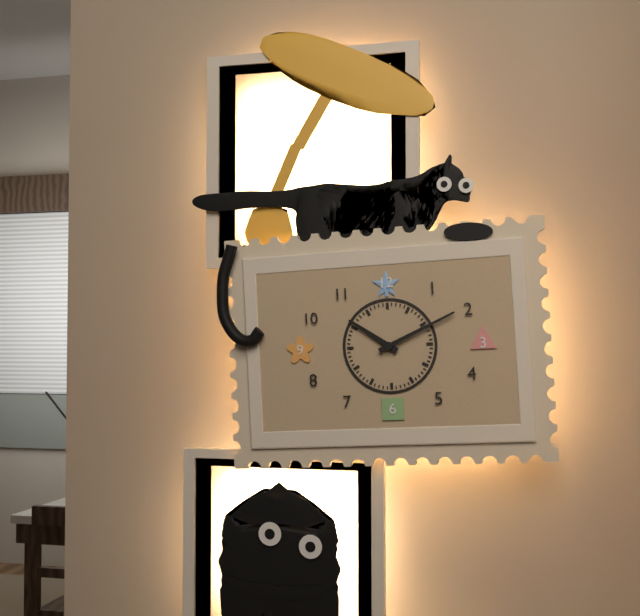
10:11
